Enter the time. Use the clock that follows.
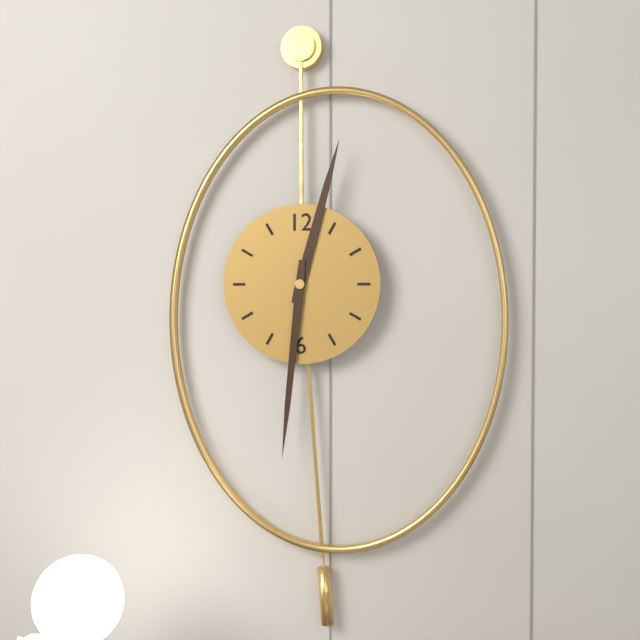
12:31
